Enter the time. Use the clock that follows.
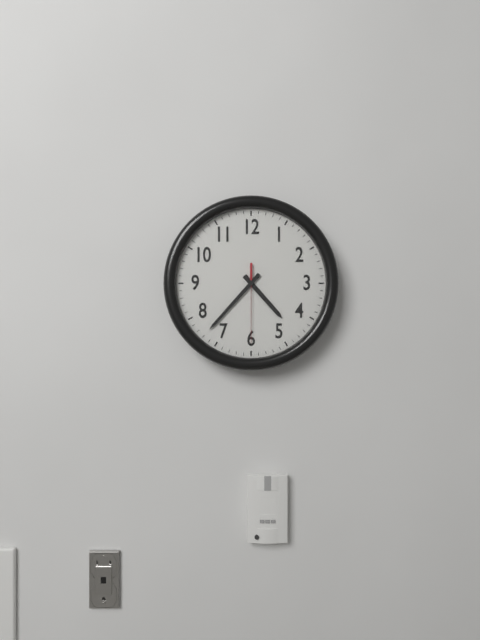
4:37:30
